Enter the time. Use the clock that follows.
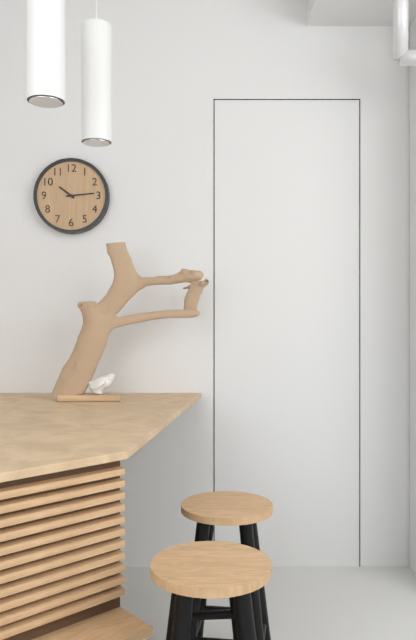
10:14
